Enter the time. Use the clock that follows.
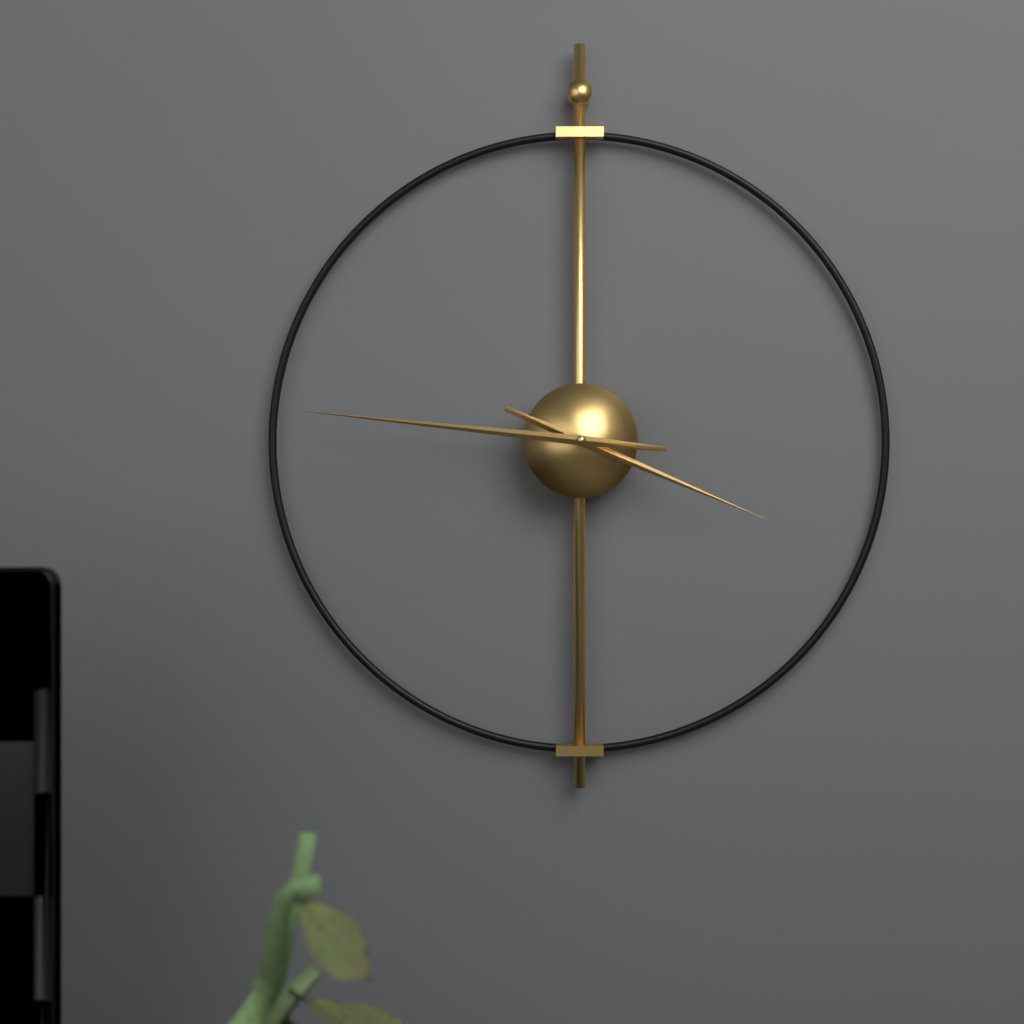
3:46
